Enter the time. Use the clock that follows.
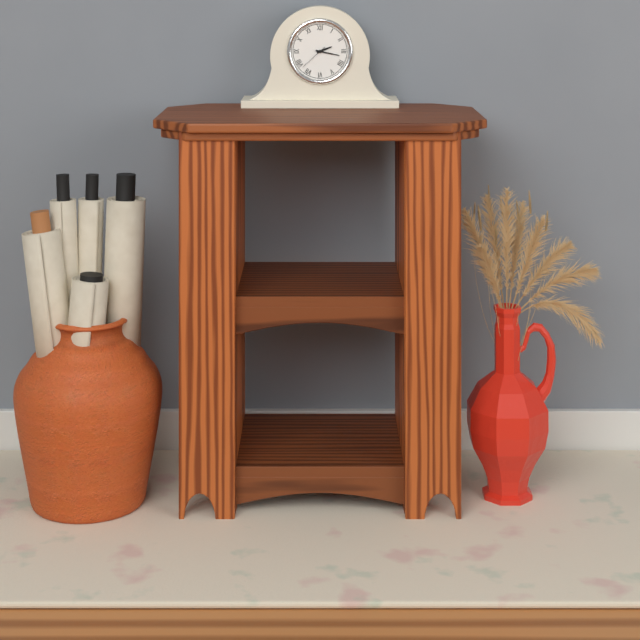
2:17
